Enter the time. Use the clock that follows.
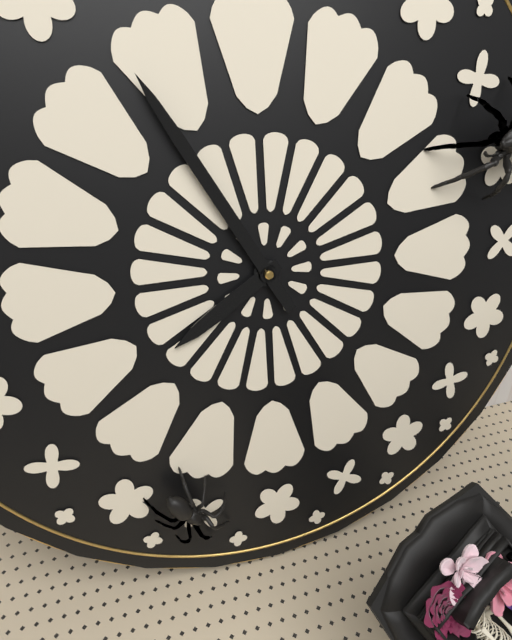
7:55
